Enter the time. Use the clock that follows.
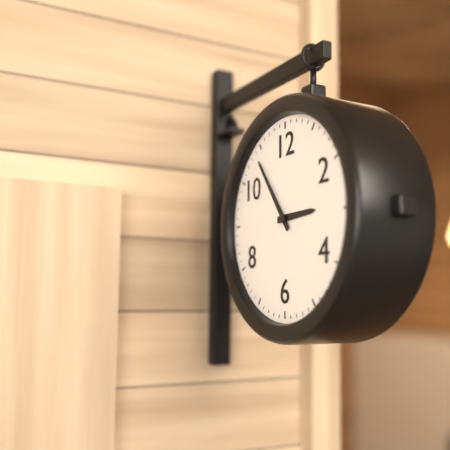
2:54
